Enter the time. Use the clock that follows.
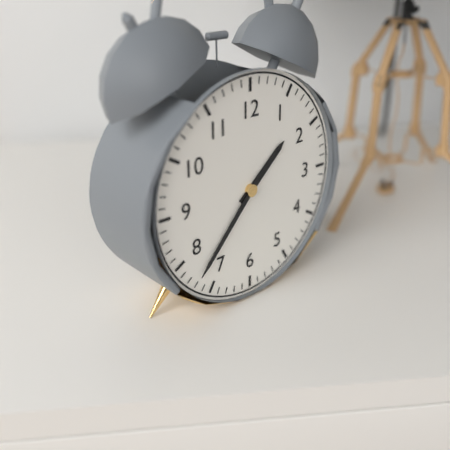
1:37
